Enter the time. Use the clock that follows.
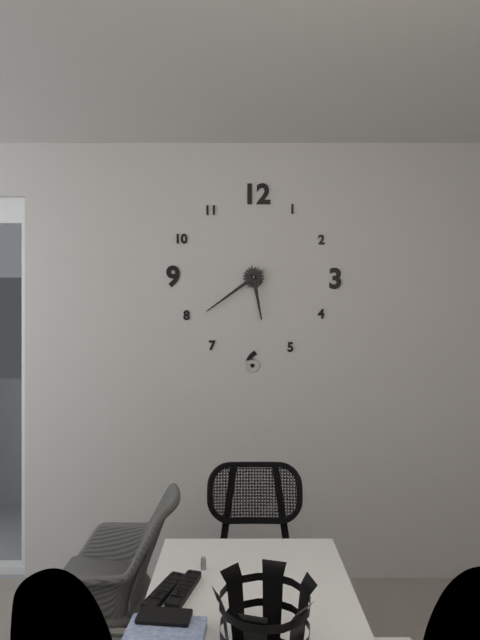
5:39
